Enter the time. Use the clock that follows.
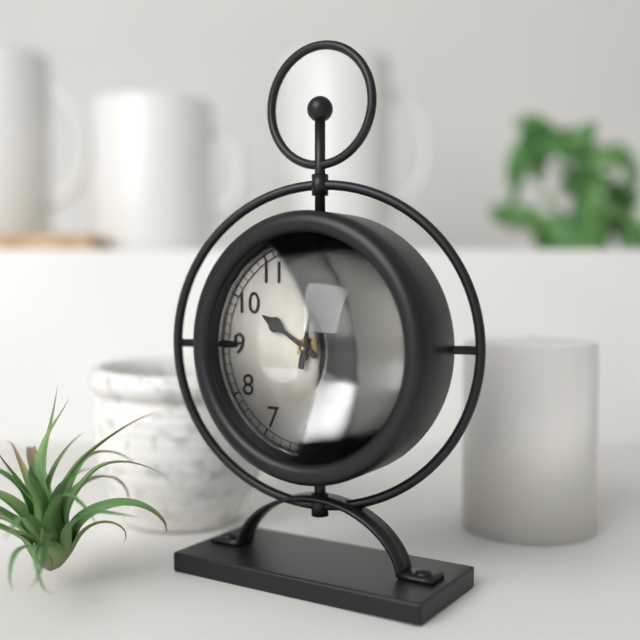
10:02
